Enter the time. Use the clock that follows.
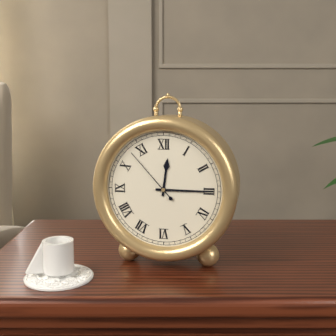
12:15:53
